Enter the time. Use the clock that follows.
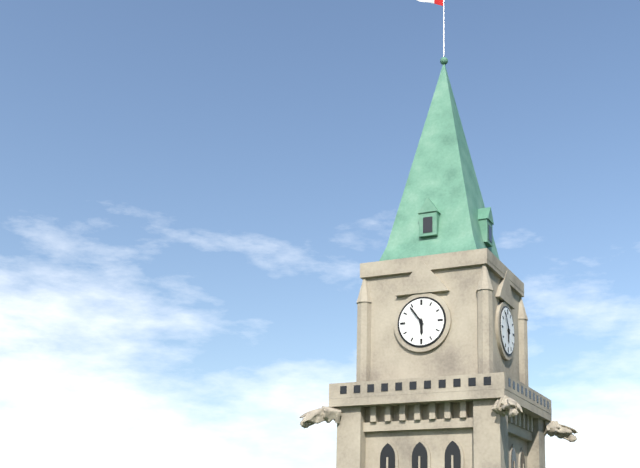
5:54
